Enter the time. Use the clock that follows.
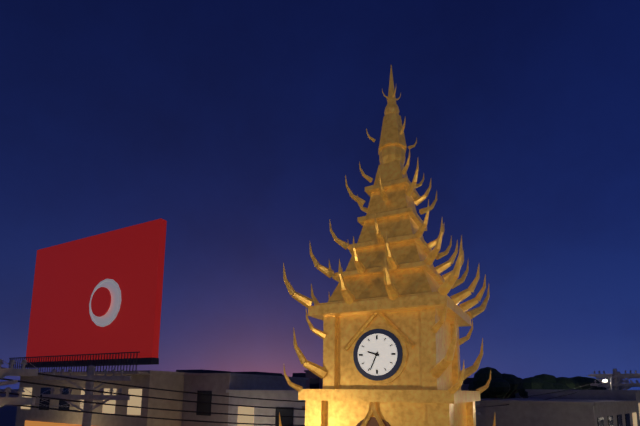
9:34
